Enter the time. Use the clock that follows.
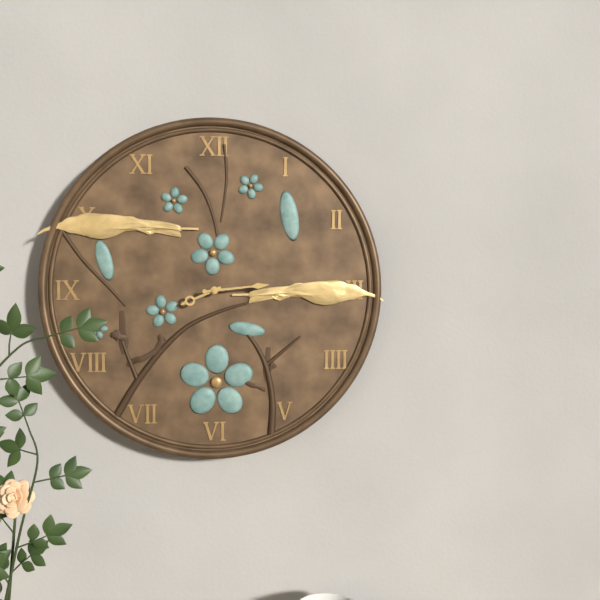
8:14
